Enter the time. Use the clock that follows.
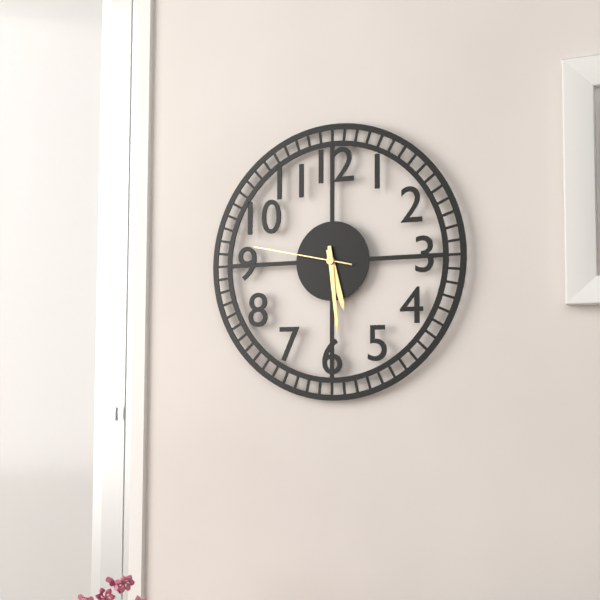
5:29:47
